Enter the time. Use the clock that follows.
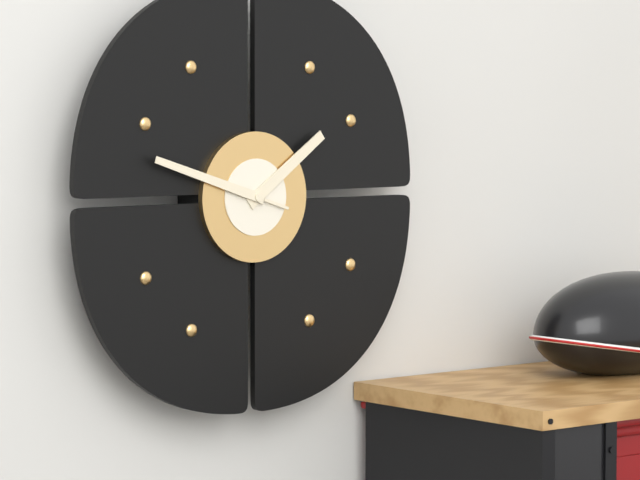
1:48
